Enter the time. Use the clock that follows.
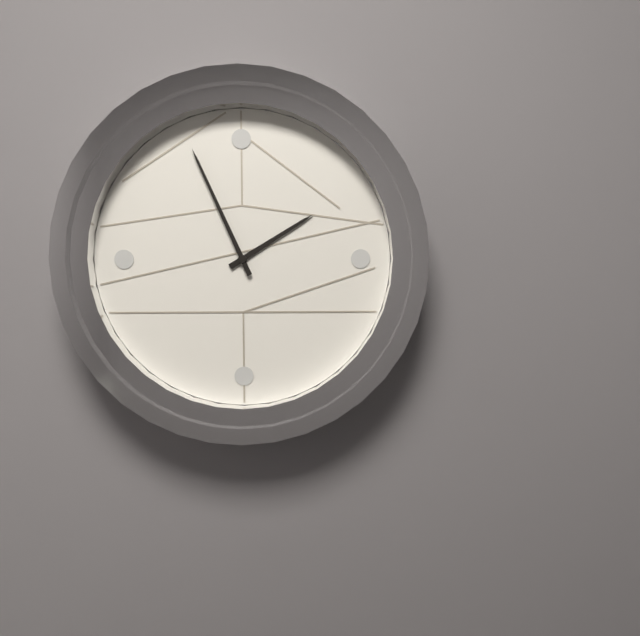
1:56
